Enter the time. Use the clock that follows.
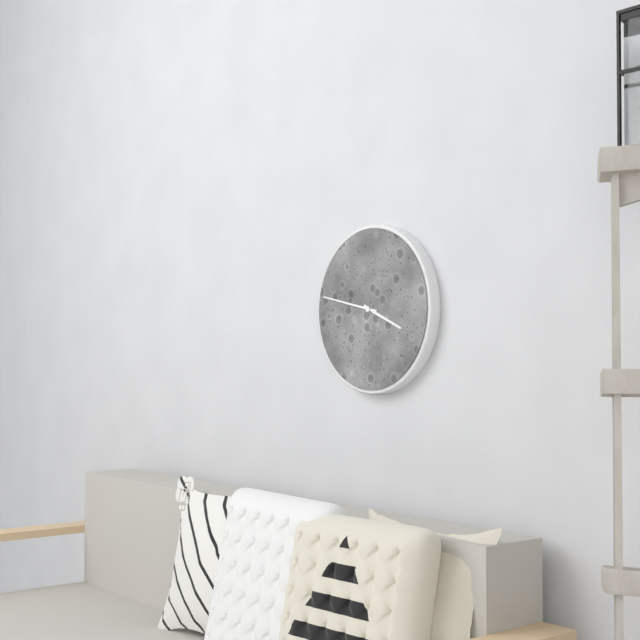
3:47
